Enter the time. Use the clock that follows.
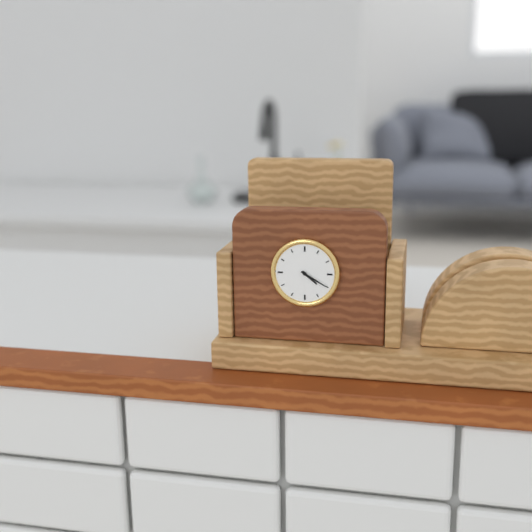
4:20
